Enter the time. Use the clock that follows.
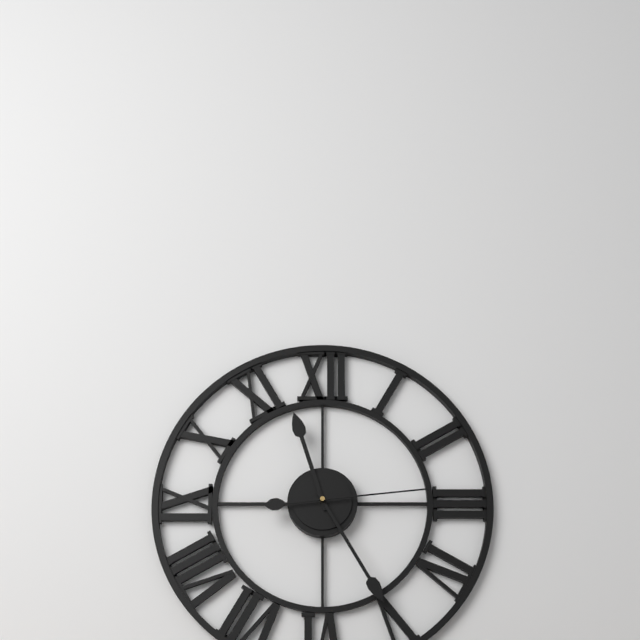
11:25:14
